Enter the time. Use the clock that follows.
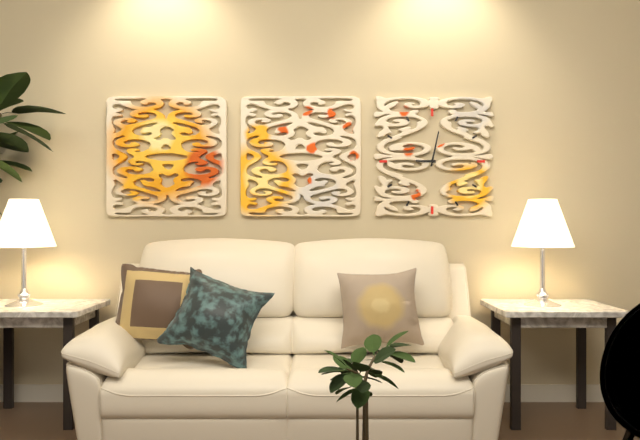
9:02
